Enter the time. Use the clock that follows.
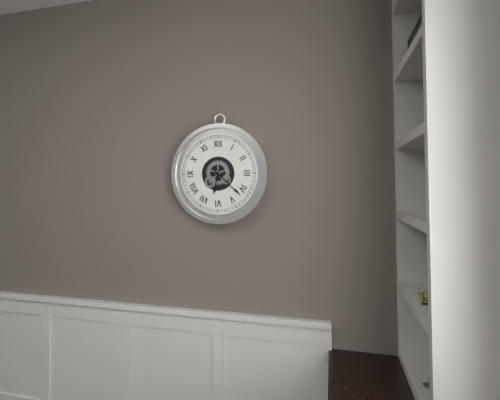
6:22
